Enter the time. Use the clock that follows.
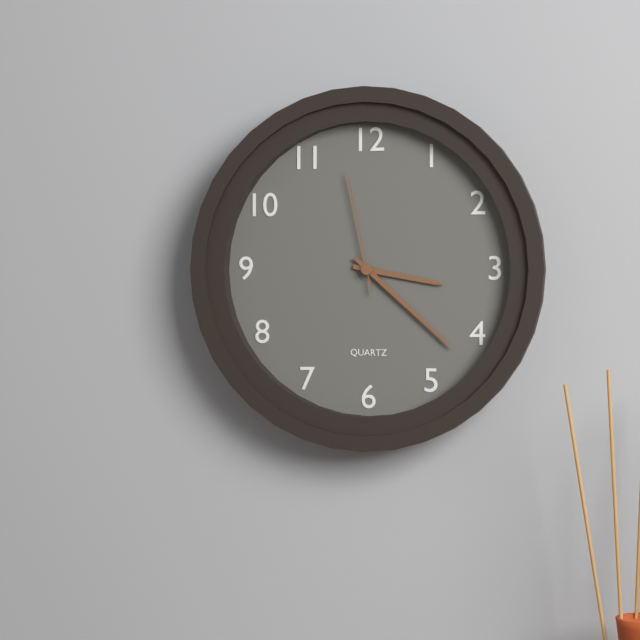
3:22:58
